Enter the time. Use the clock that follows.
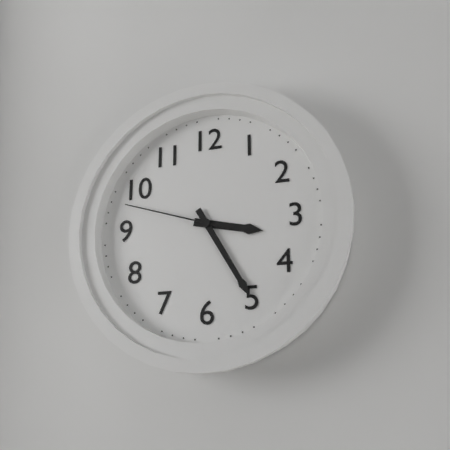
3:25:48
